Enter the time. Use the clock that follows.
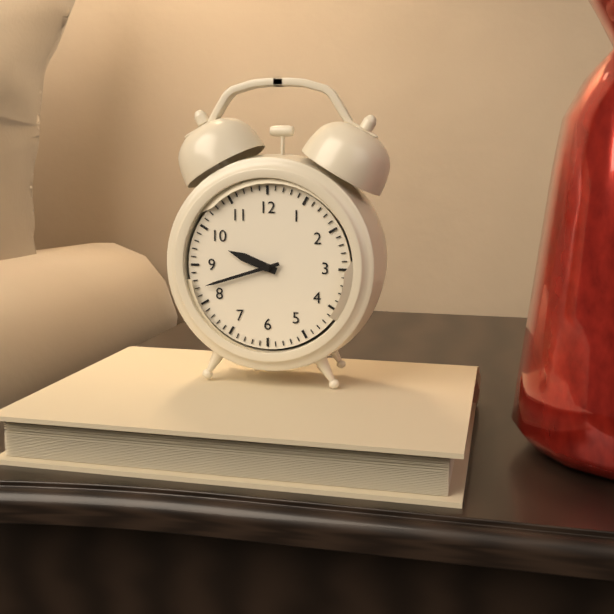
9:42
